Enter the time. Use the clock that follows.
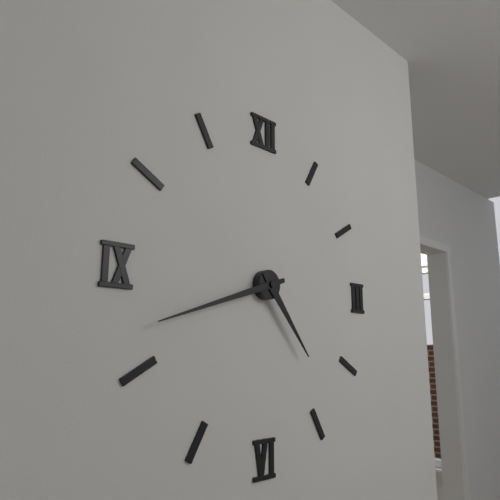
4:42
